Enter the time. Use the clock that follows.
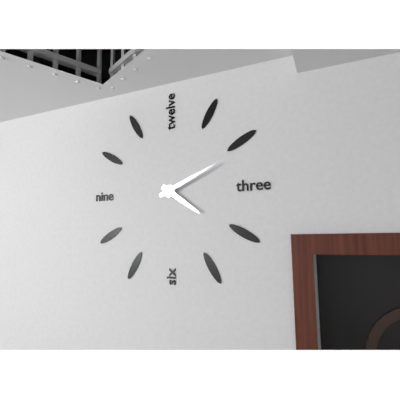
4:11
